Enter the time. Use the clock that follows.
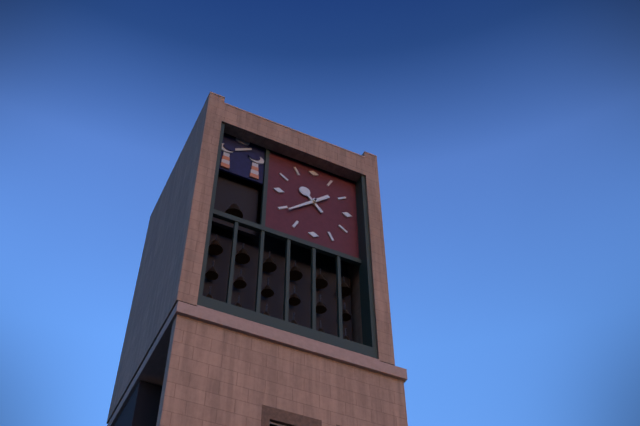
10:38
